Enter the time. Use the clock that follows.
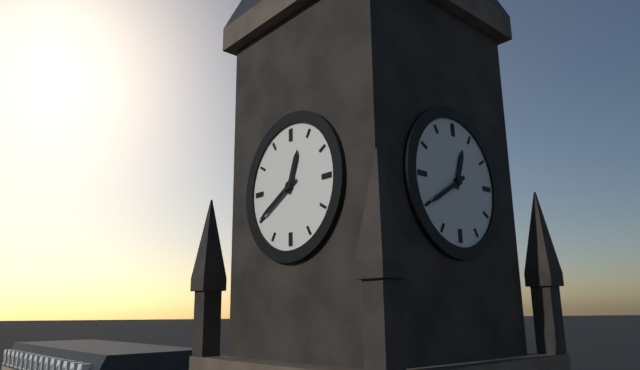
12:40
